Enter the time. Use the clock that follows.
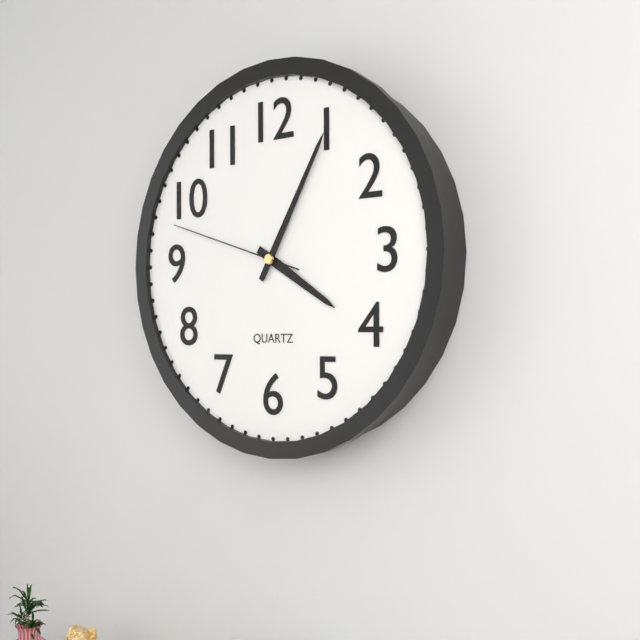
4:05:48
